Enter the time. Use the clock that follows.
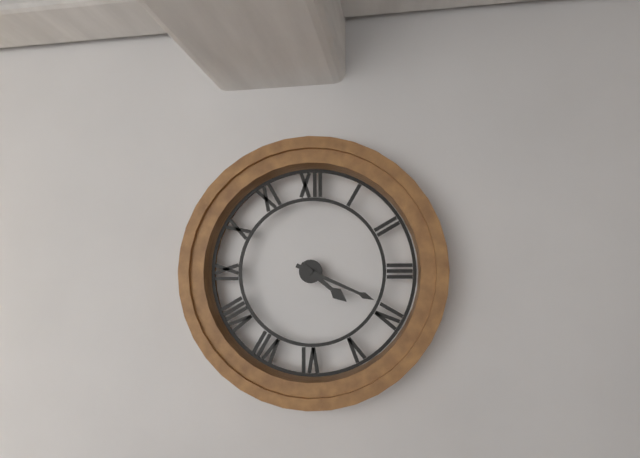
4:19
